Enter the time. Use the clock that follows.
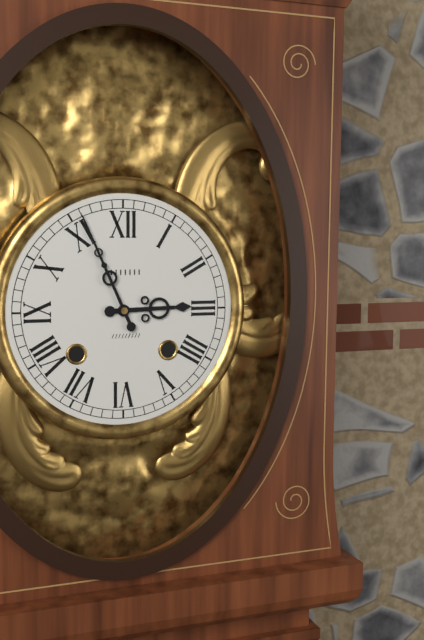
2:56
